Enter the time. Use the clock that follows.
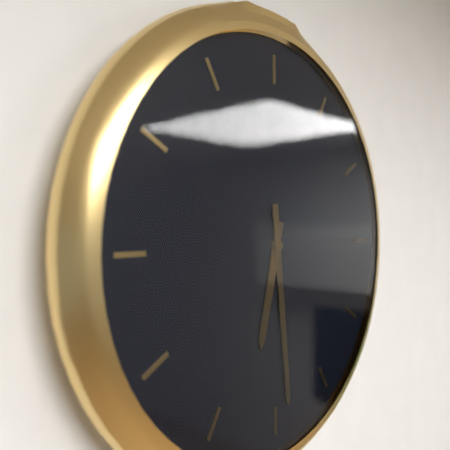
6:29
